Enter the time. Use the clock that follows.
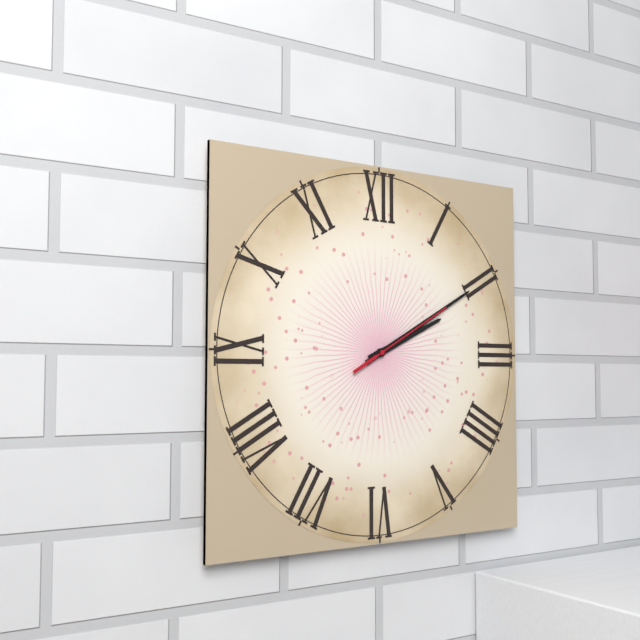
2:10:10
